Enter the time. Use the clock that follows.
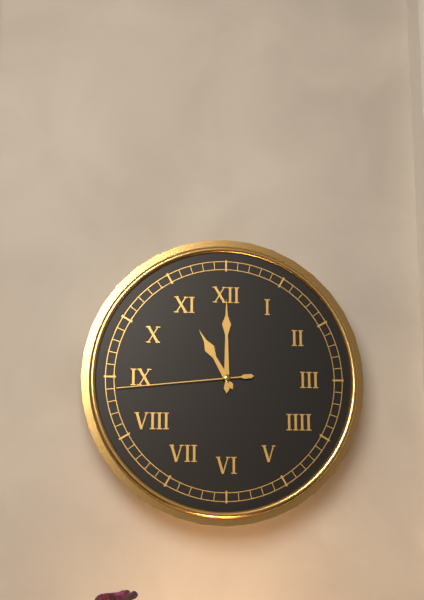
11:00:44
